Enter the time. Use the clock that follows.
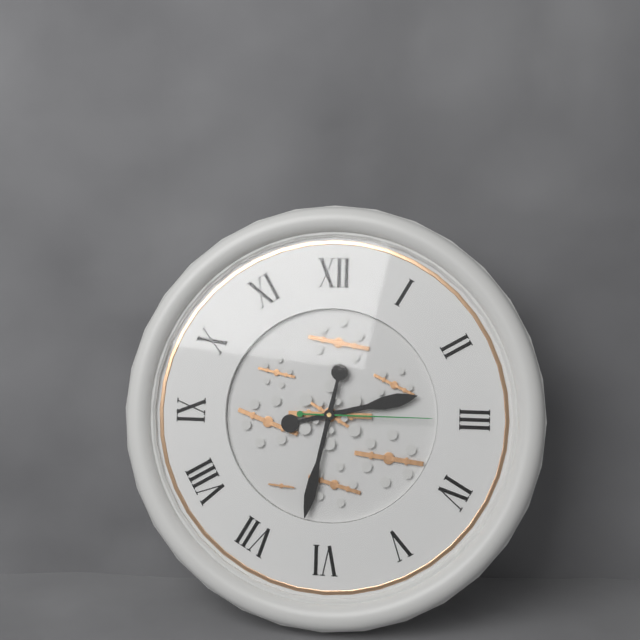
2:32:15
